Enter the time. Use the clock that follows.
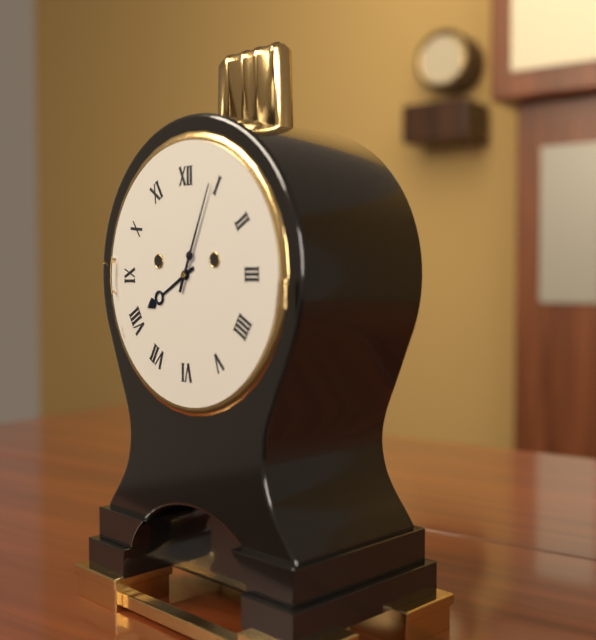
8:04
